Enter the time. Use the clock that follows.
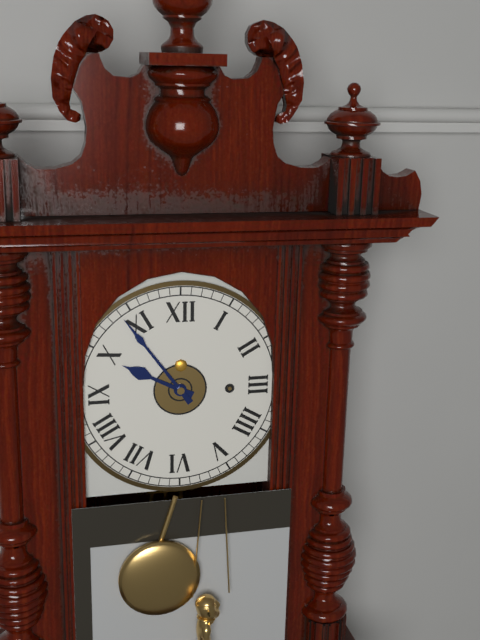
9:54
